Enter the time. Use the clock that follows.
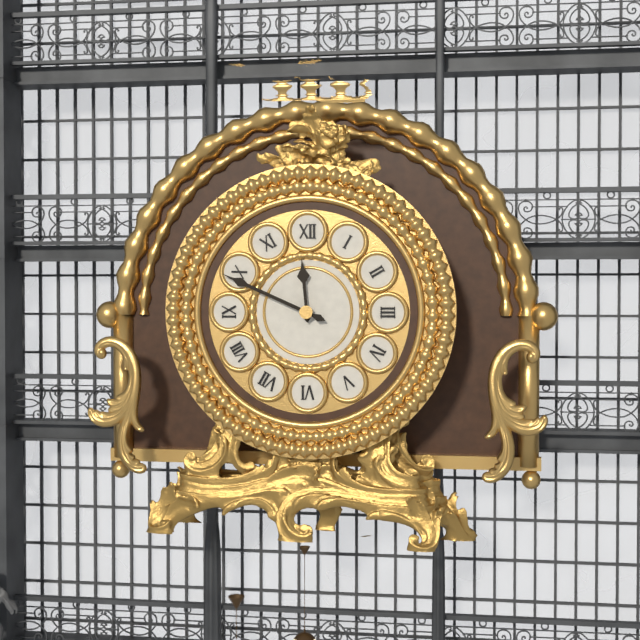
11:49
